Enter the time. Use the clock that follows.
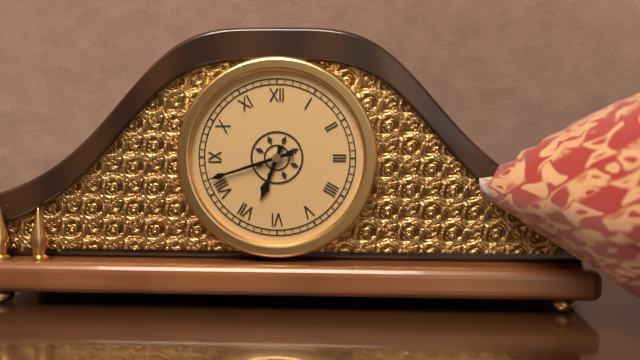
6:42
